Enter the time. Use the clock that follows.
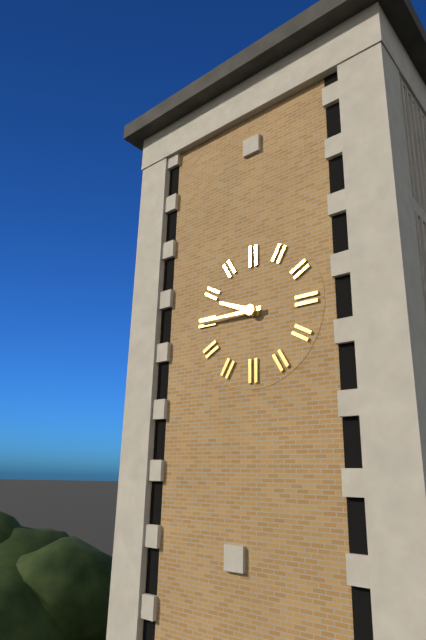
9:45
